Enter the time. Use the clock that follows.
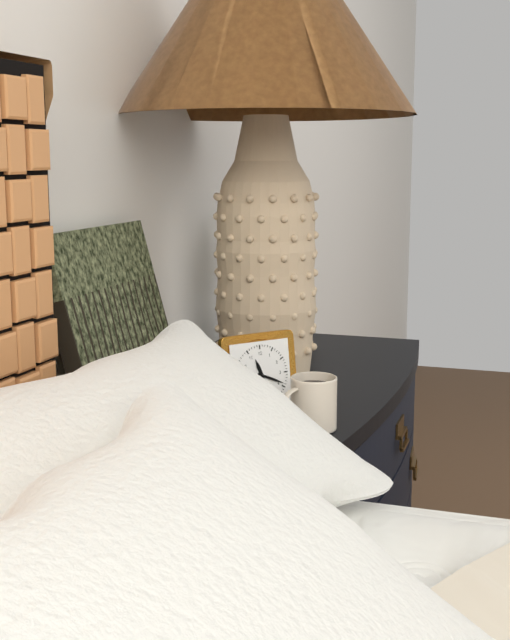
11:19
